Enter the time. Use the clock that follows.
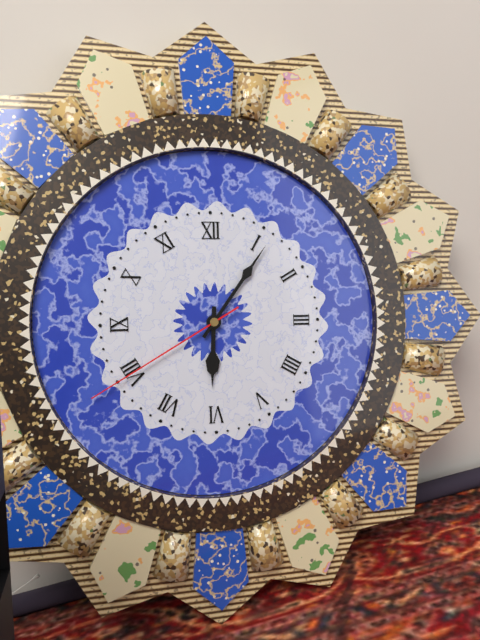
6:06:40
